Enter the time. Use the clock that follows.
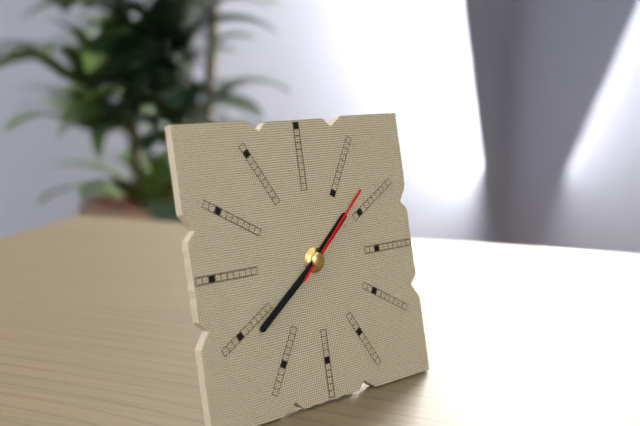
1:39:08
